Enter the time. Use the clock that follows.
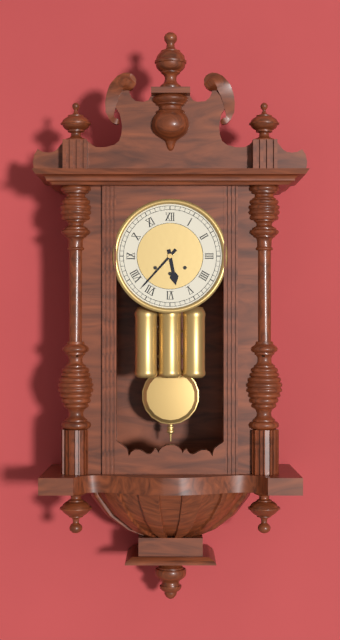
5:37
